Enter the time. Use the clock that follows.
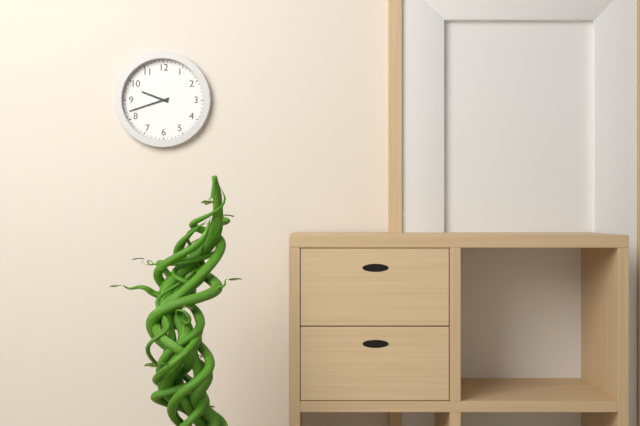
9:42
